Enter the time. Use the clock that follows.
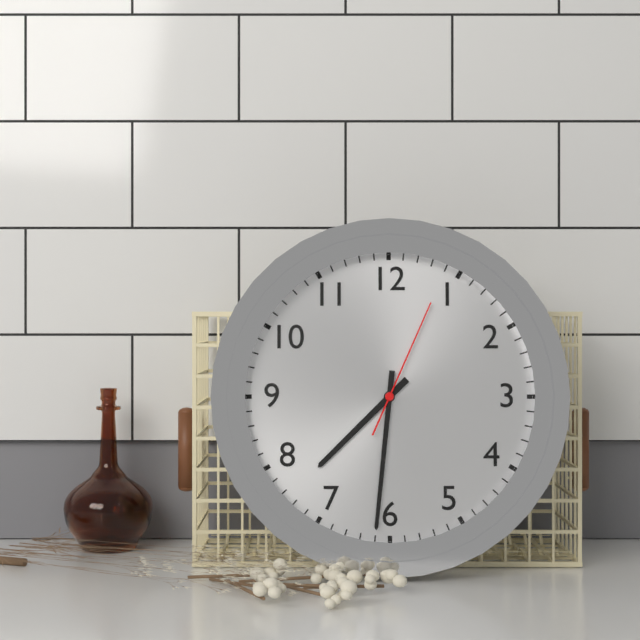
7:31:04
